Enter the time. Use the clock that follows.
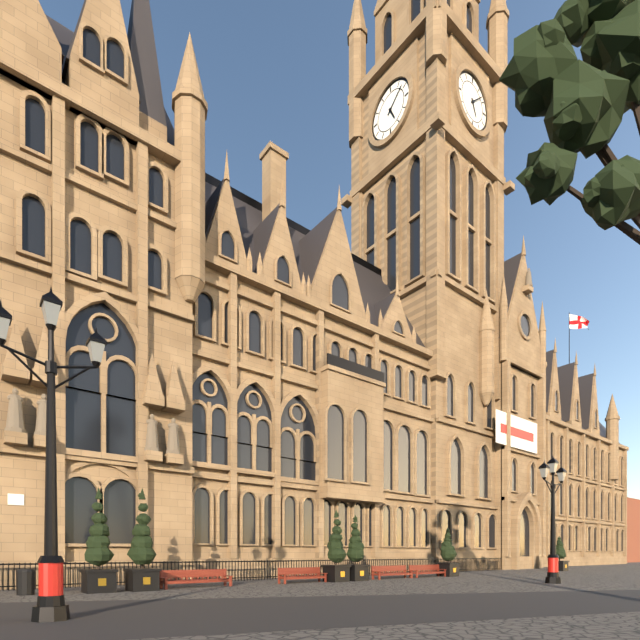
5:08
